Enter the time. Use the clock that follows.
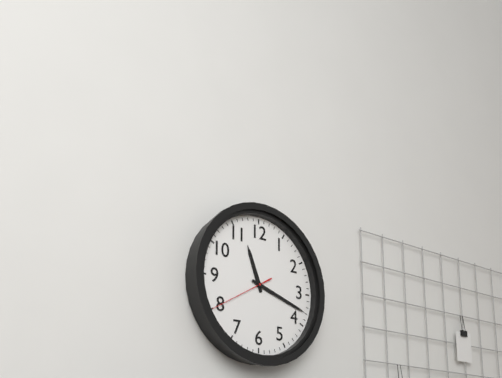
11:18:40
